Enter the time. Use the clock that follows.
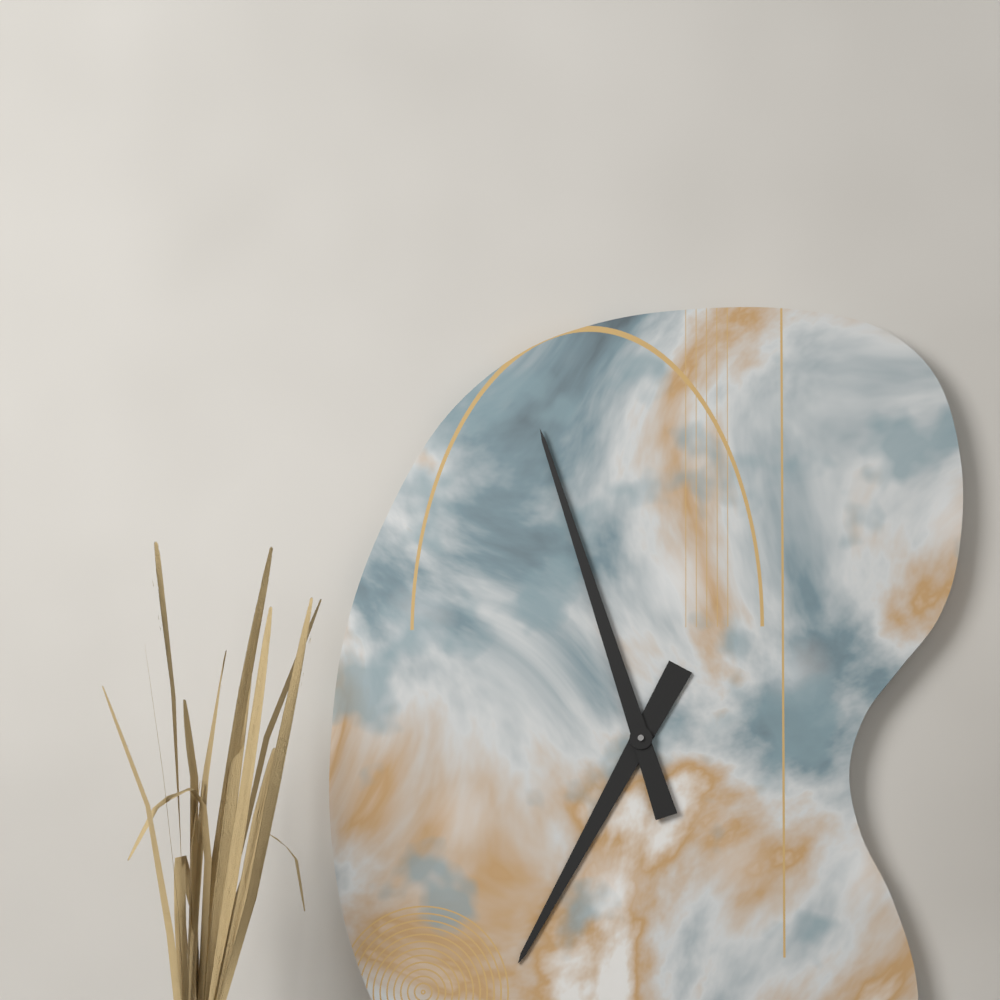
6:57
